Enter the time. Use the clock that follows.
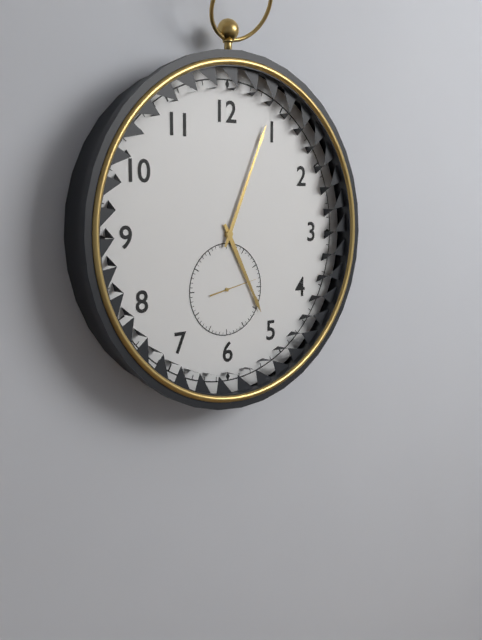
5:04
